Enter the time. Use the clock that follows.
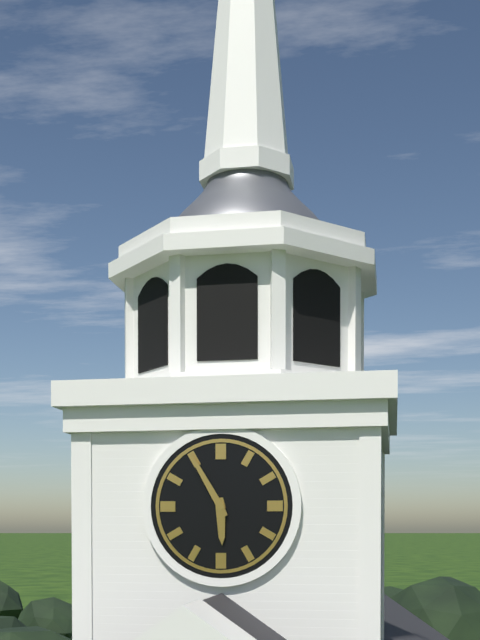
5:55
